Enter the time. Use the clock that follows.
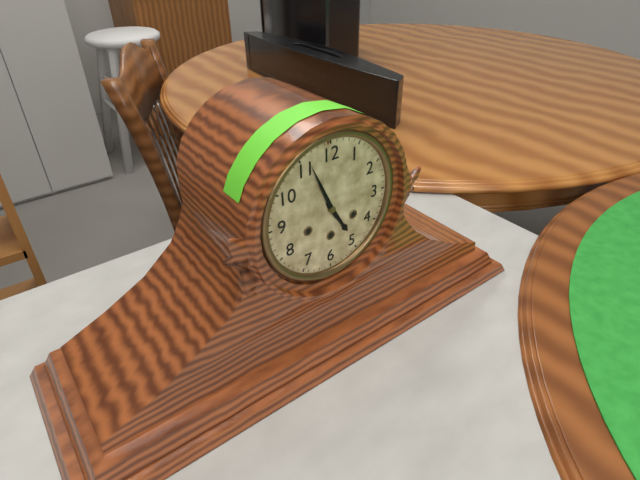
4:56
